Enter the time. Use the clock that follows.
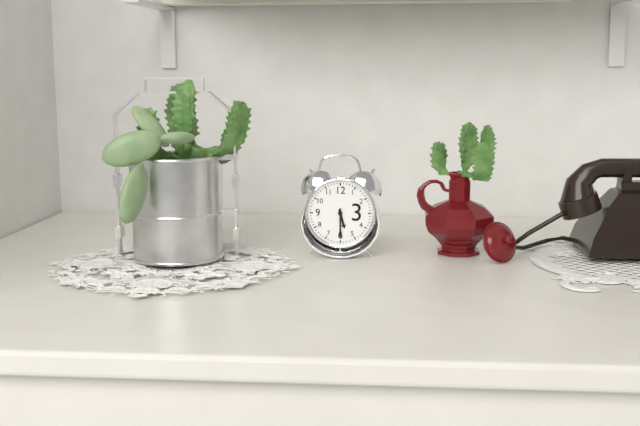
5:30
